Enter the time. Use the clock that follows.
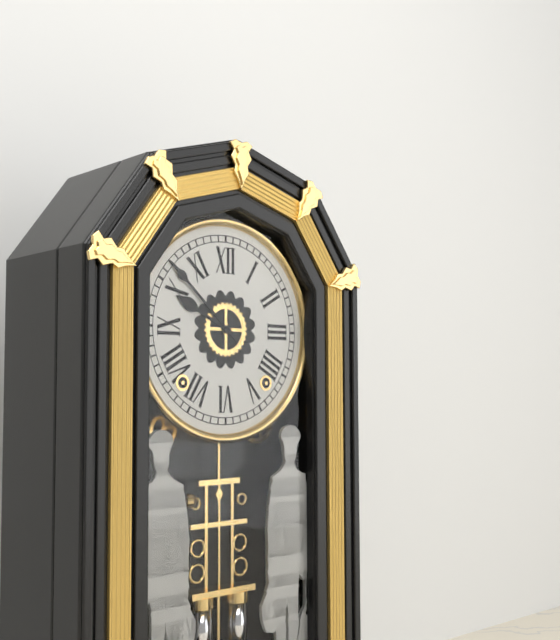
9:52
